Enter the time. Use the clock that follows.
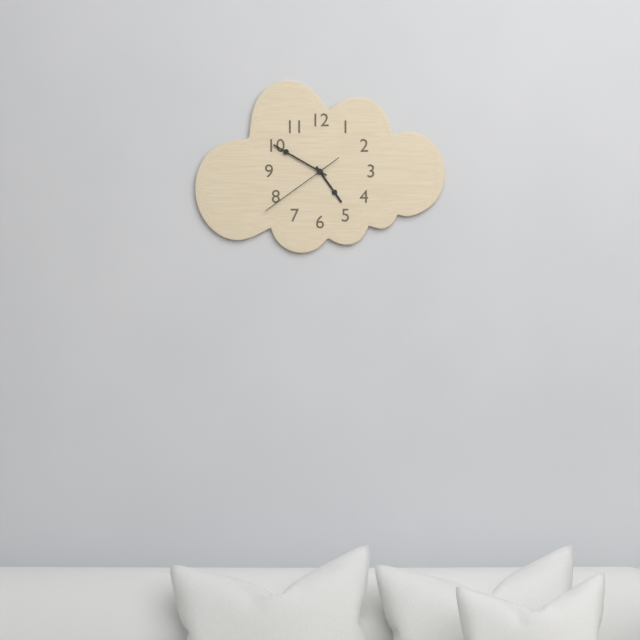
4:50:39
